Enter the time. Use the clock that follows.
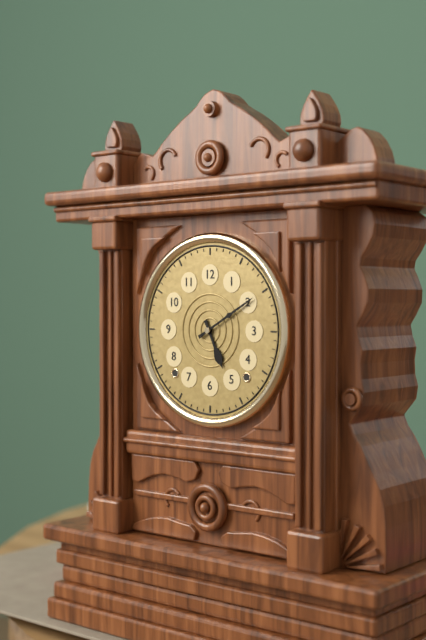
5:10
